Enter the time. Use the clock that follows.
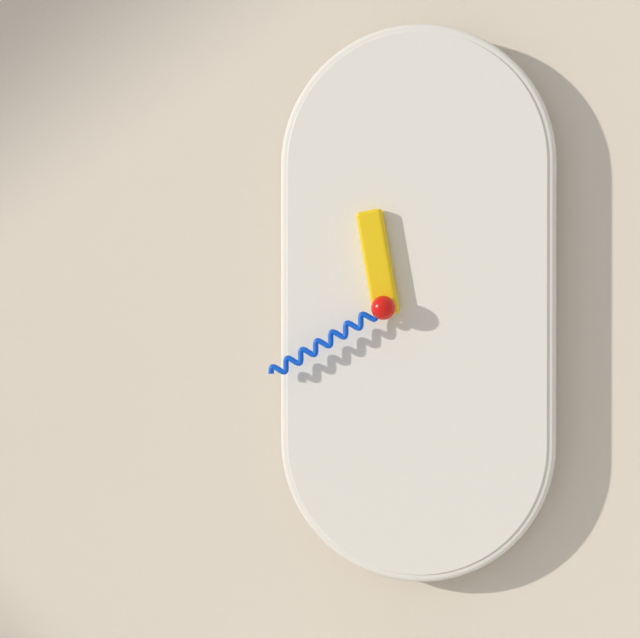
11:40
